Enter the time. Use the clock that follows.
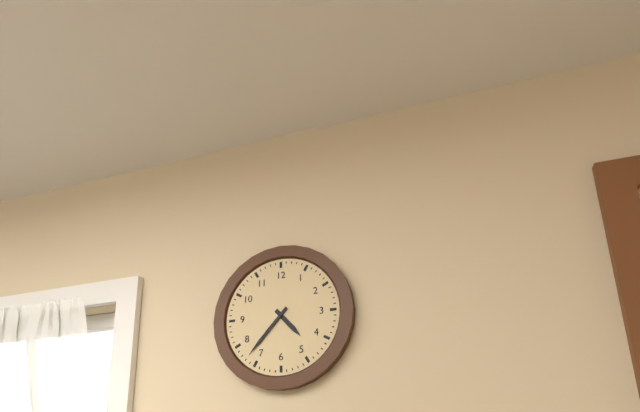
4:37
